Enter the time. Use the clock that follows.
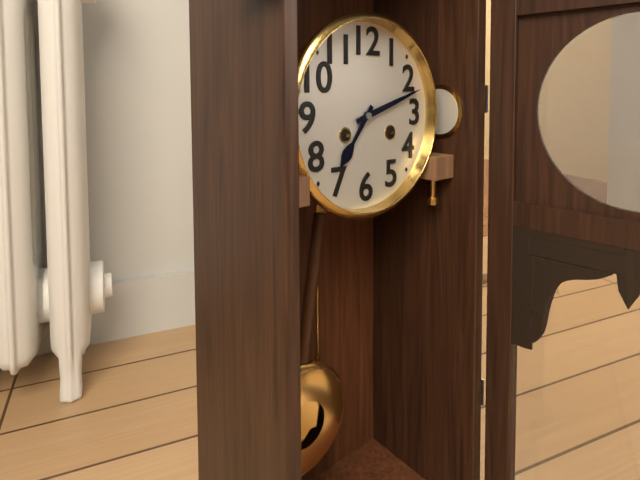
7:12
